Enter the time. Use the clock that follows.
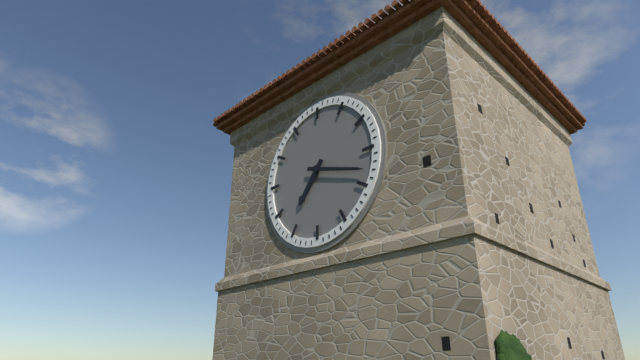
7:18
